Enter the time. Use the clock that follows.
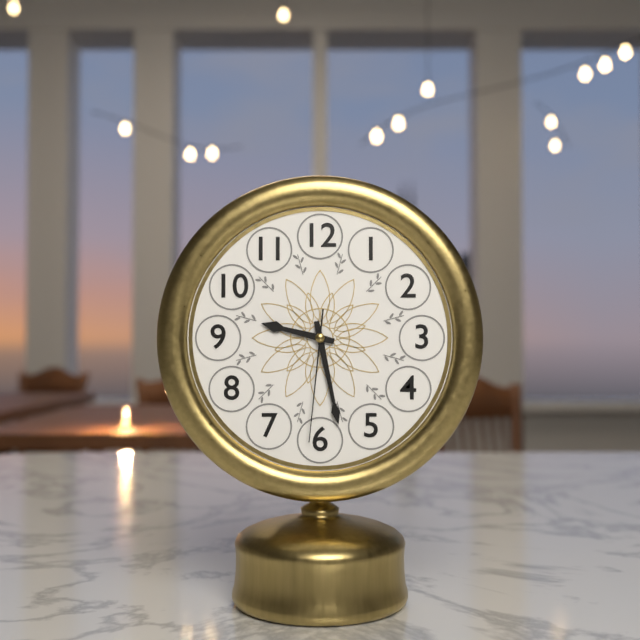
9:28:31
